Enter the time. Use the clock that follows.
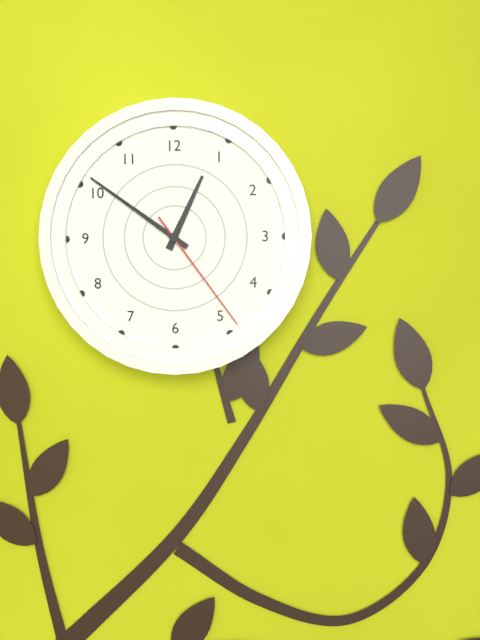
12:51:24
